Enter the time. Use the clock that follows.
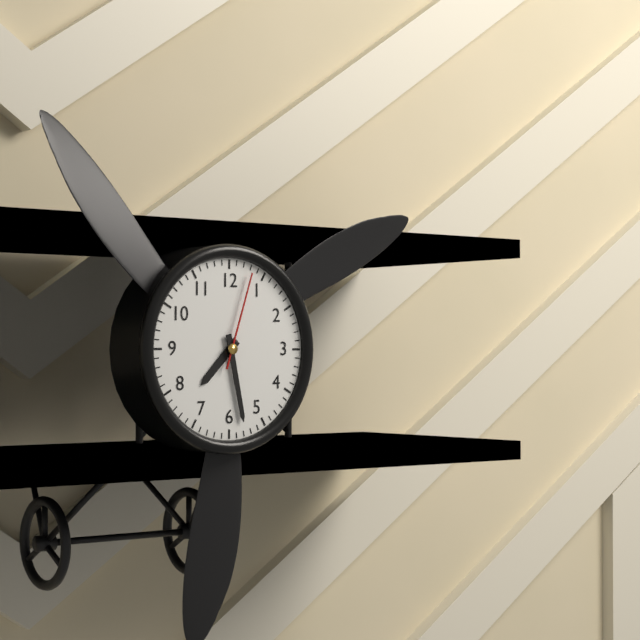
7:28:03
